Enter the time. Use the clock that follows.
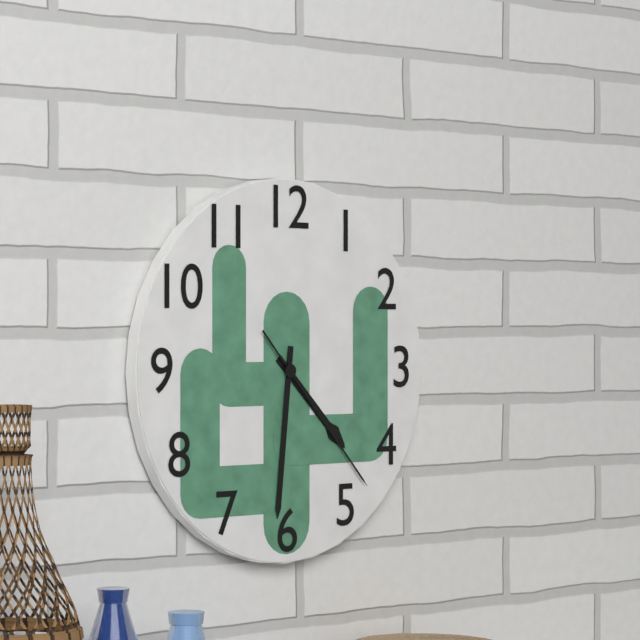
4:31:23
